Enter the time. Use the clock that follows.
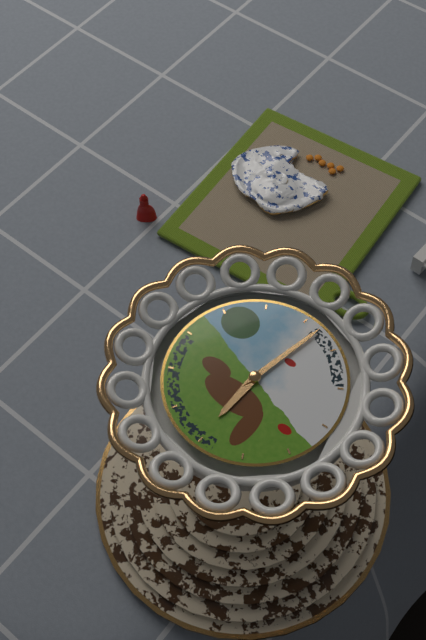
6:02
